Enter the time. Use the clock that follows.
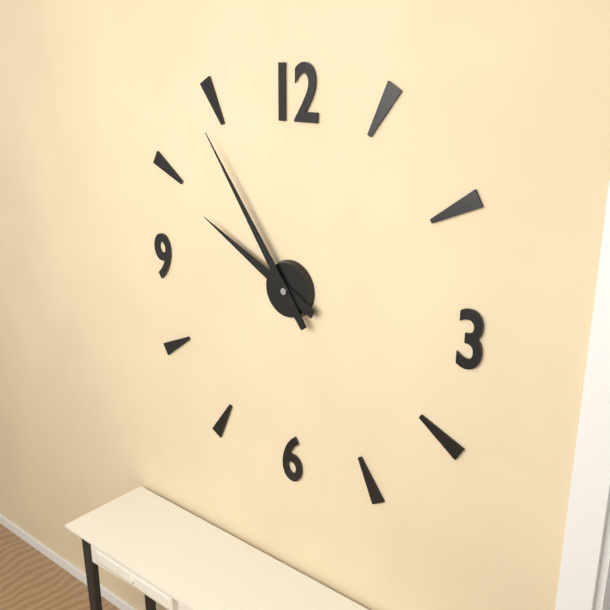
9:54
